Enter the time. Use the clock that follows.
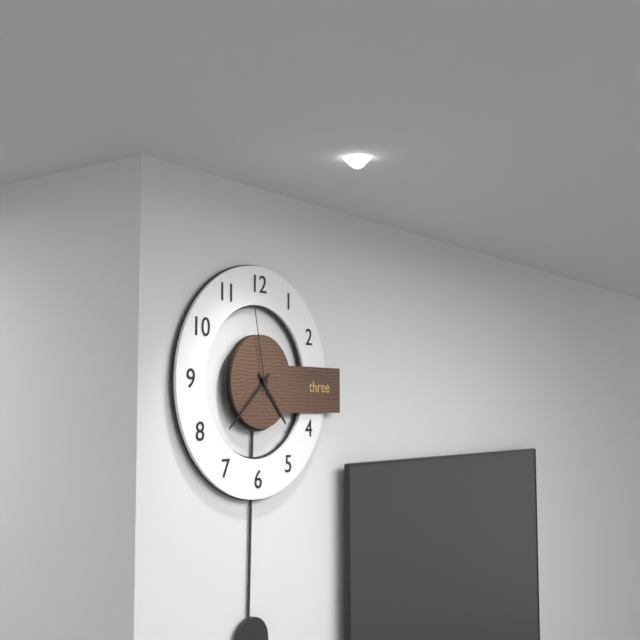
4:38:58
